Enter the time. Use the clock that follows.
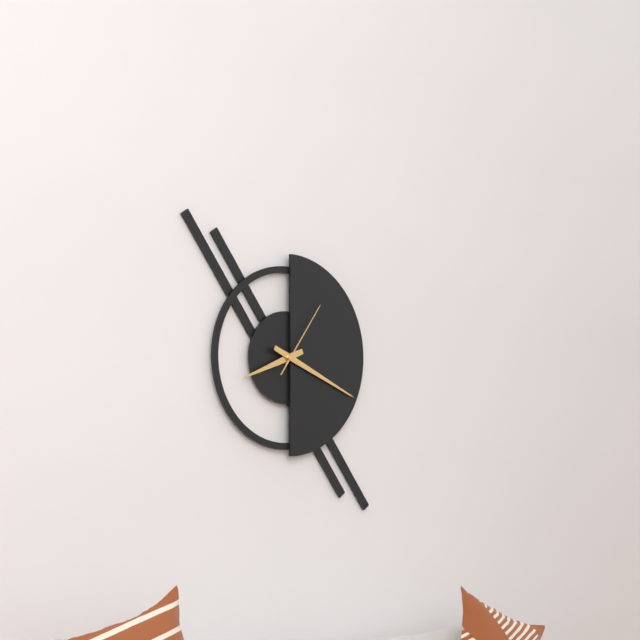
8:19:06
